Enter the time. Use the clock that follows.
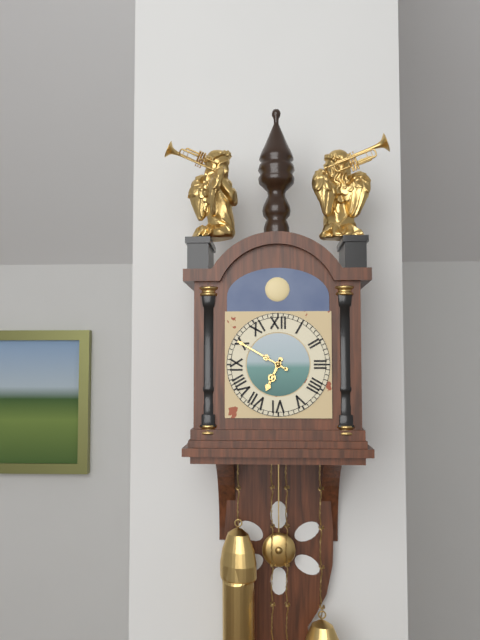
6:50
